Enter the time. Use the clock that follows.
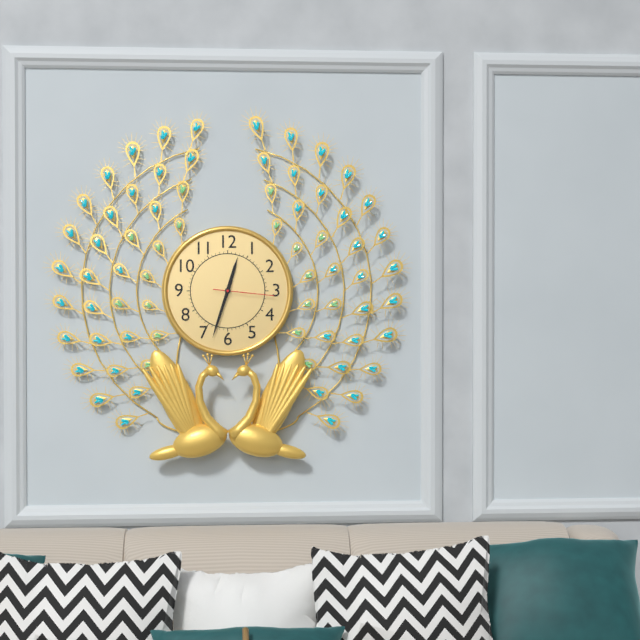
12:33:16
